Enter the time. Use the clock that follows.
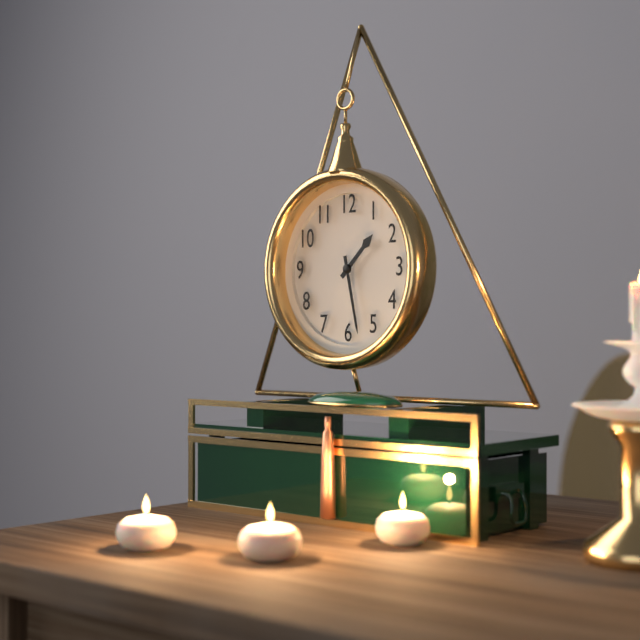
1:28
